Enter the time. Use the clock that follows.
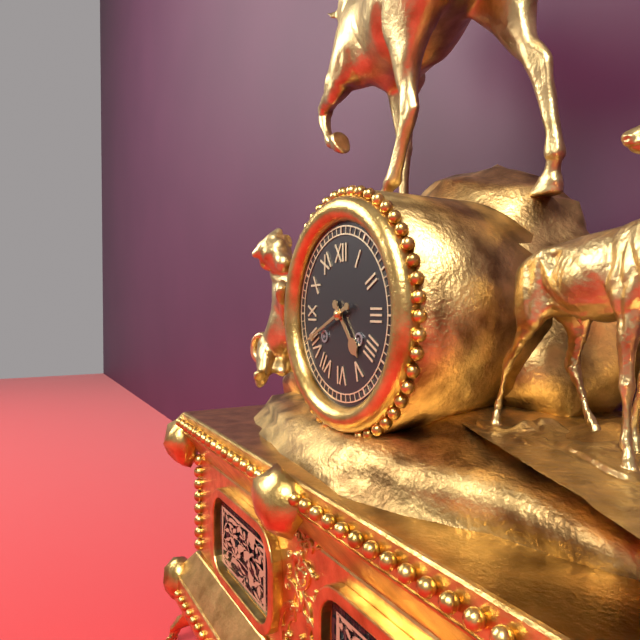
4:41
